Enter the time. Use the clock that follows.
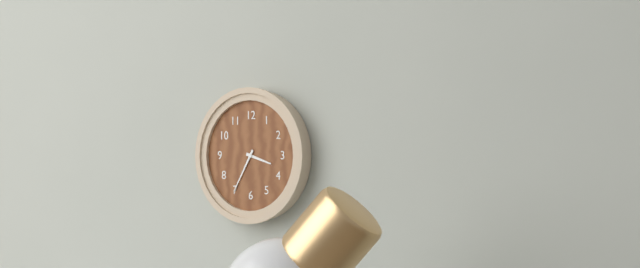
3:35
